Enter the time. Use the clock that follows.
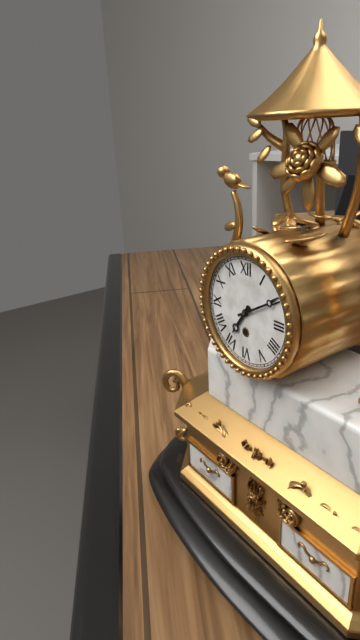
7:10
